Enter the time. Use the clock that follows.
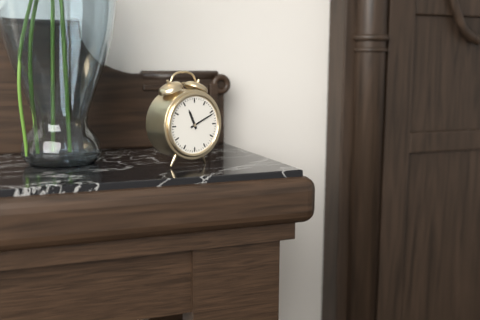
11:11
